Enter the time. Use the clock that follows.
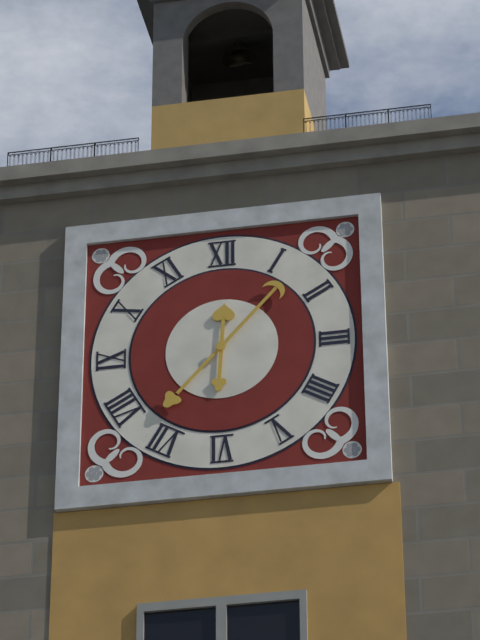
12:07
